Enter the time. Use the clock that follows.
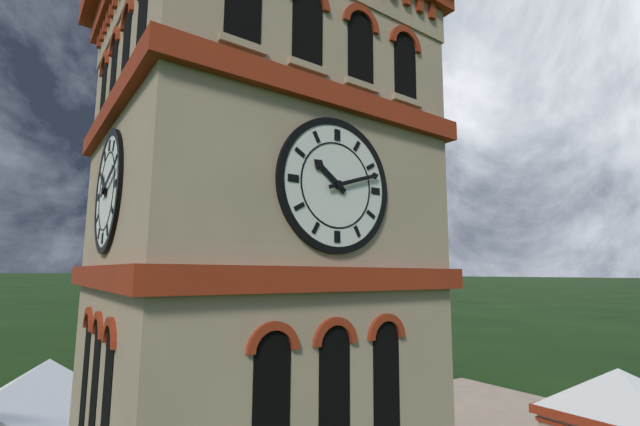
10:12
